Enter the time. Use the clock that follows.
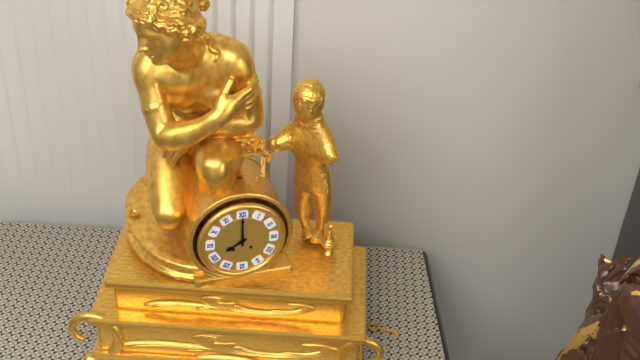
8:00
